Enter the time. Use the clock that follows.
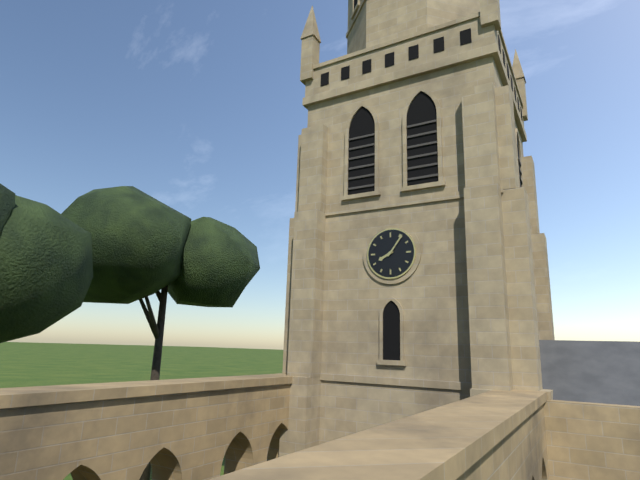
8:06
